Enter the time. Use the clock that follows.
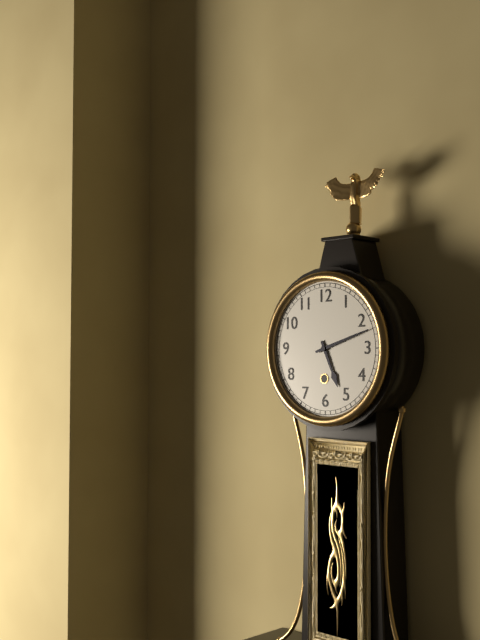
5:12
